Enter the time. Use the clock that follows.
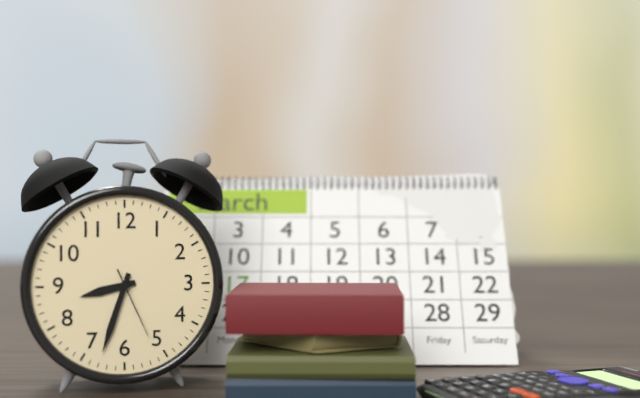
8:33:26
